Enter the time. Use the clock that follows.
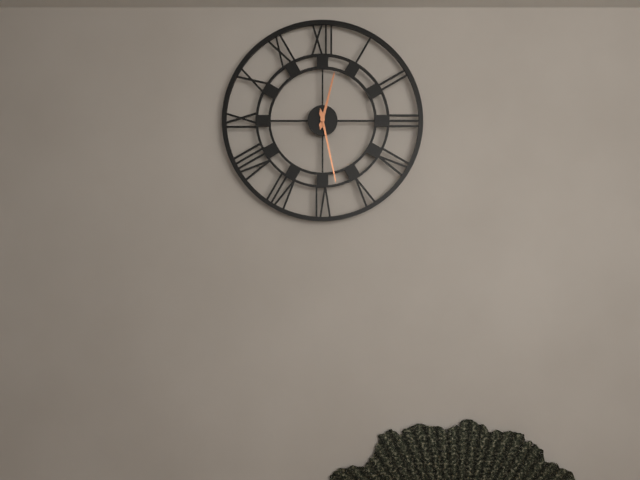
12:28
